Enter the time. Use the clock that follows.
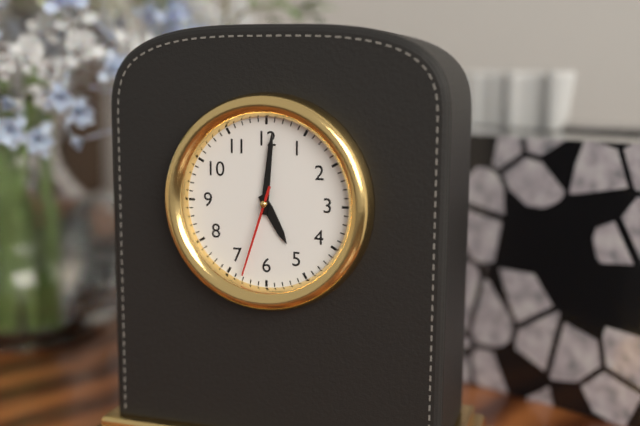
5:01:33
